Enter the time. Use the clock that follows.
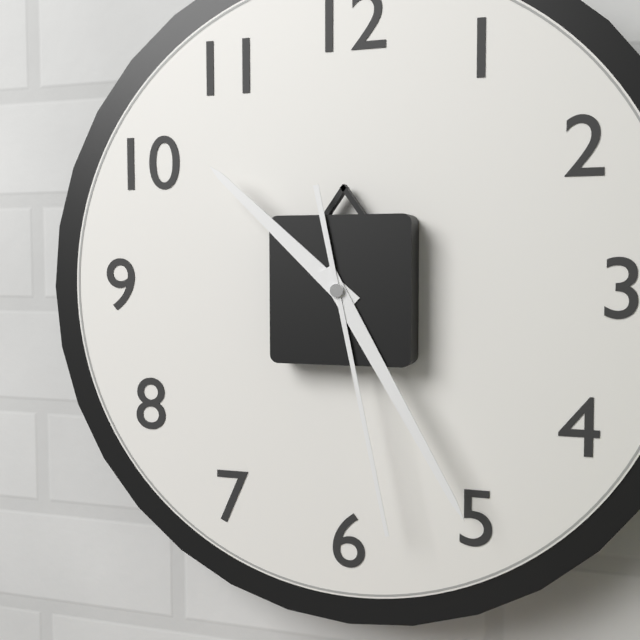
10:25:28
